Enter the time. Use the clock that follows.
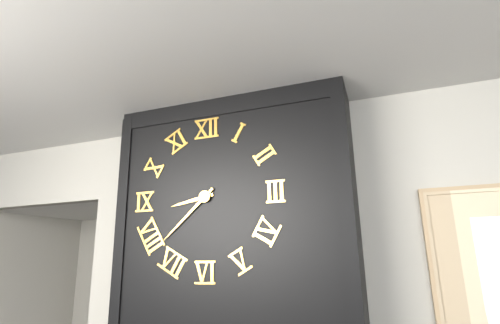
8:38
